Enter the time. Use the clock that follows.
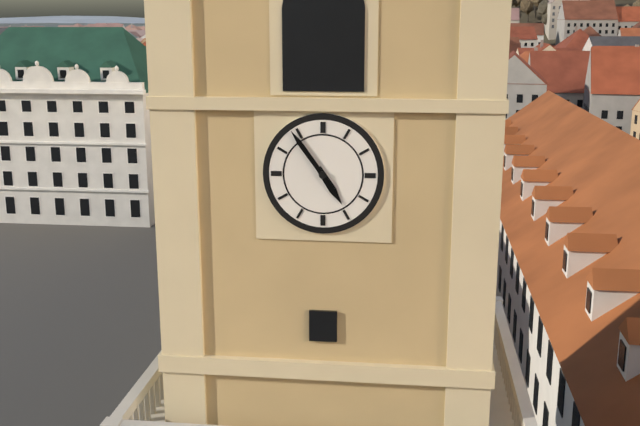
4:54
